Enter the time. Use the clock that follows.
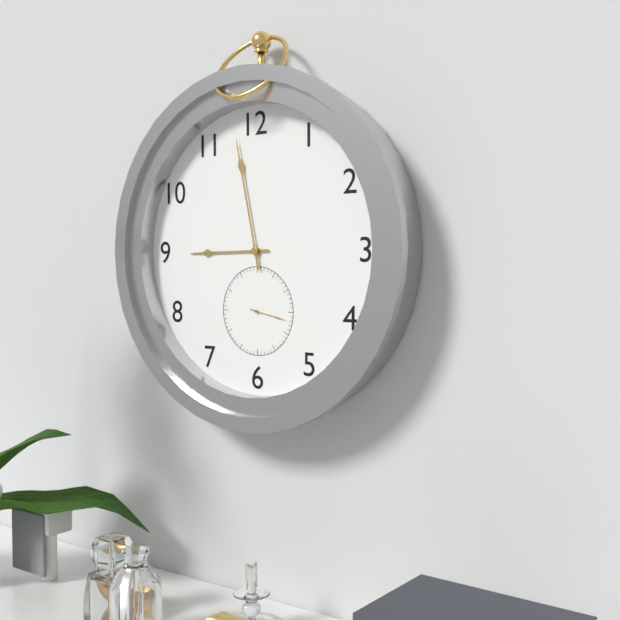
8:58
